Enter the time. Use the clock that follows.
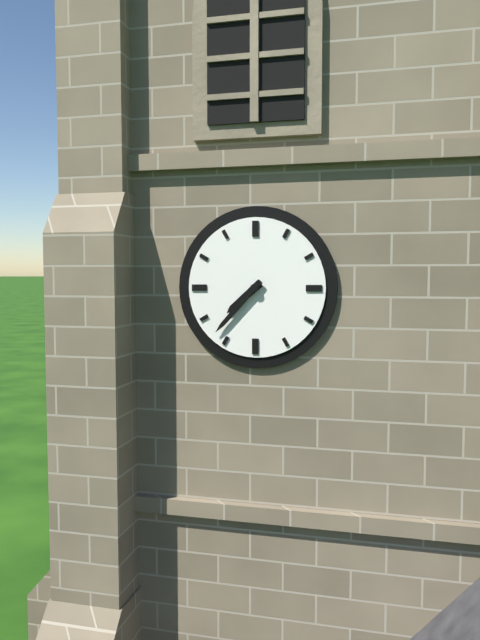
7:37
